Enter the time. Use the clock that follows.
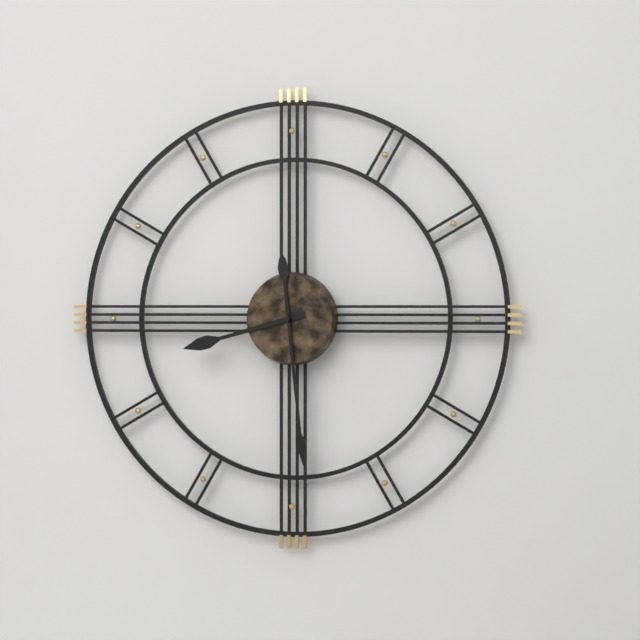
8:29
